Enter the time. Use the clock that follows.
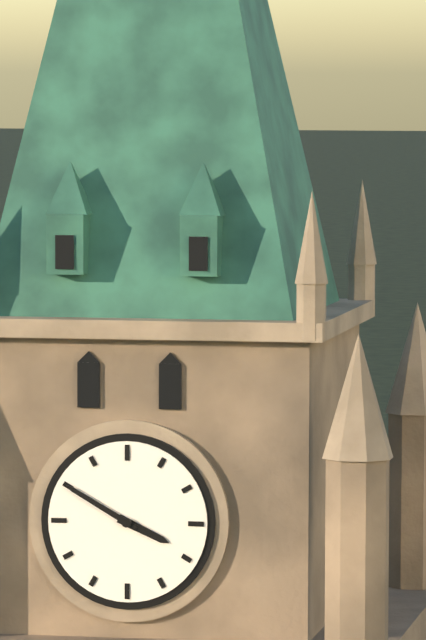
3:50
